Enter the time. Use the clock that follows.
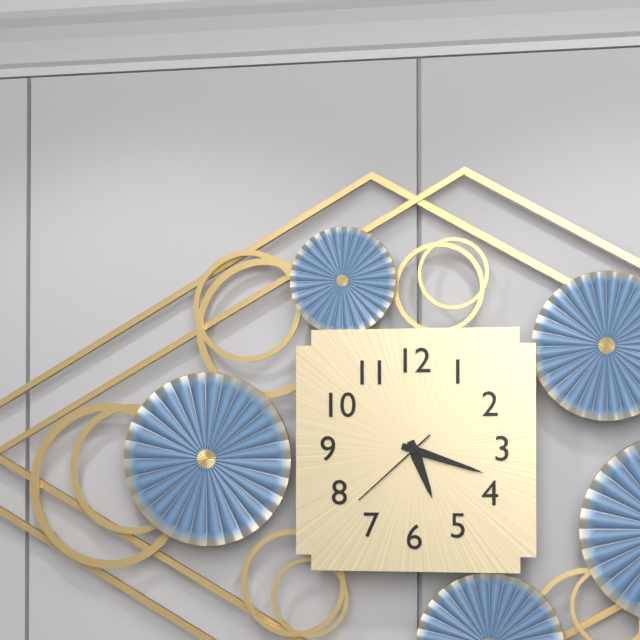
5:18:38
